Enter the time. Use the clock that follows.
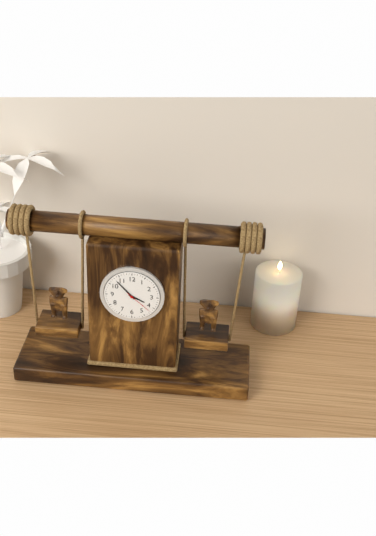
3:53
